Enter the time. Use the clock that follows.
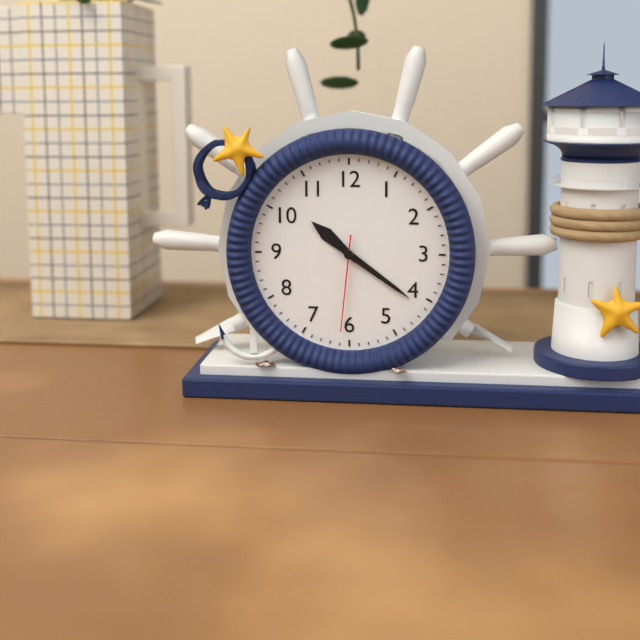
10:21:31
